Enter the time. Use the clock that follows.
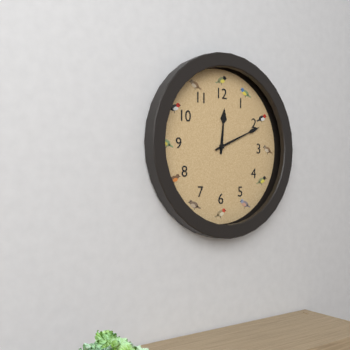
12:11
